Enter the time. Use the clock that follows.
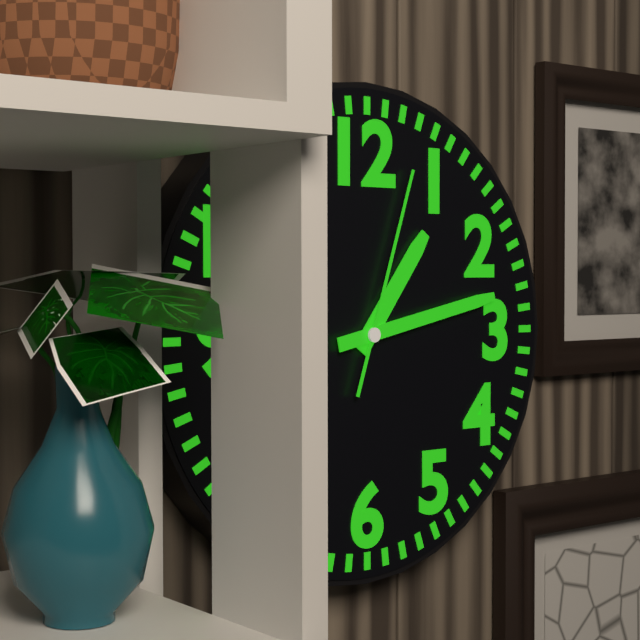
1:13:03
